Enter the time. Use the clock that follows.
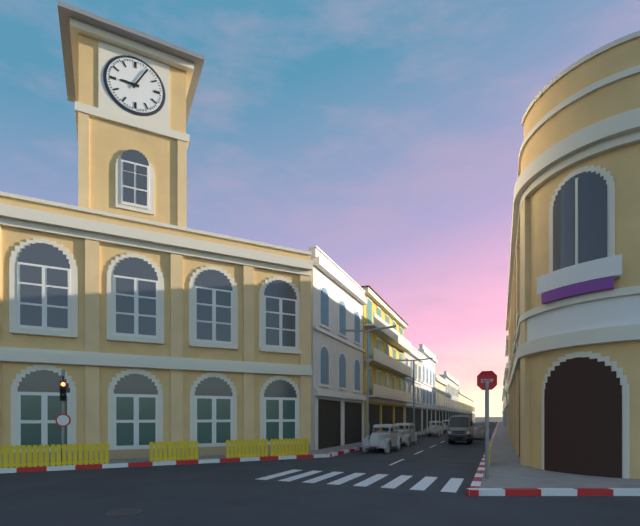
9:05
